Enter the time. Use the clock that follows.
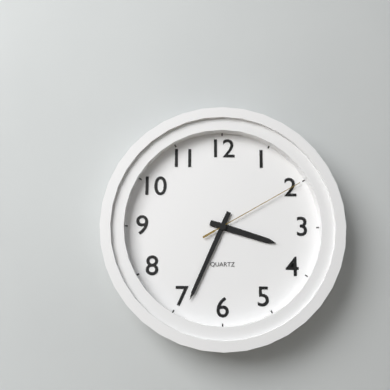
3:34:10
